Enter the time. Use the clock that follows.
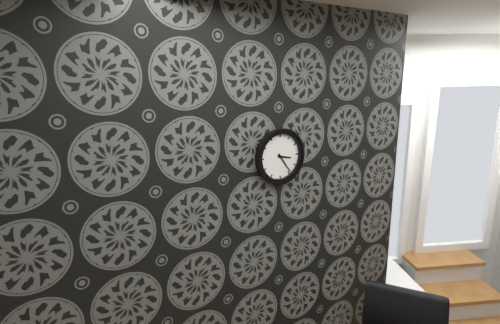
3:24
